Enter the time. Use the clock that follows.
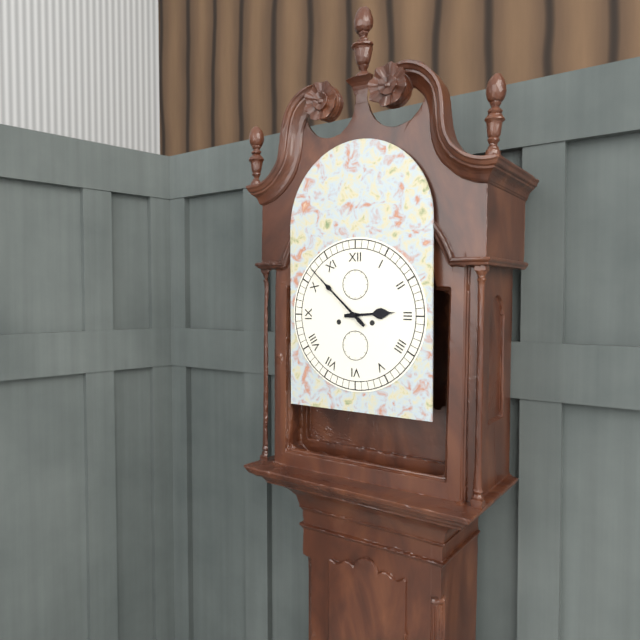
2:52
